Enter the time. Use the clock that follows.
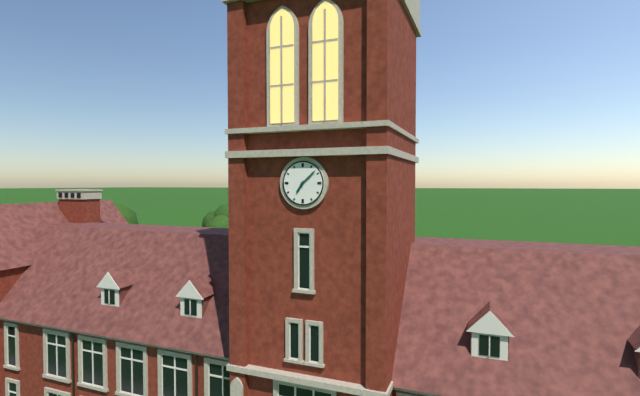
7:08
